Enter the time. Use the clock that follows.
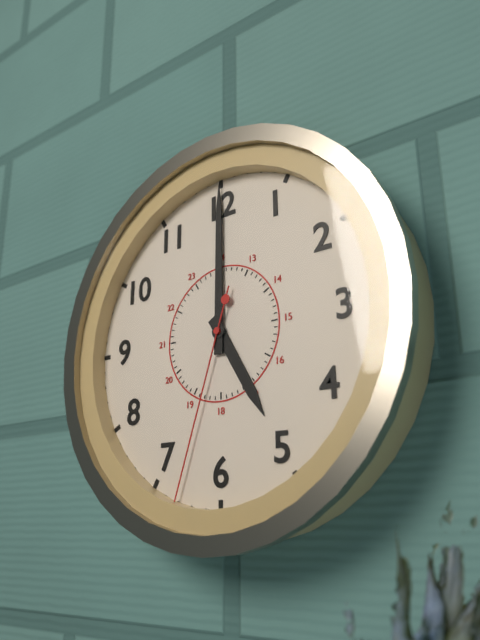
5:00:33
